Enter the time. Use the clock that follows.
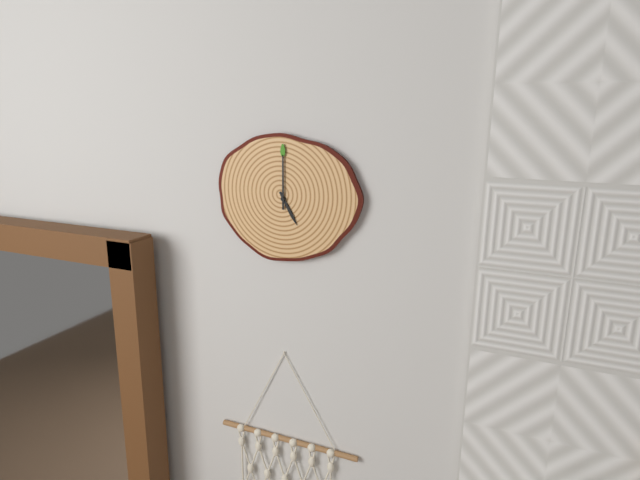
5:00
